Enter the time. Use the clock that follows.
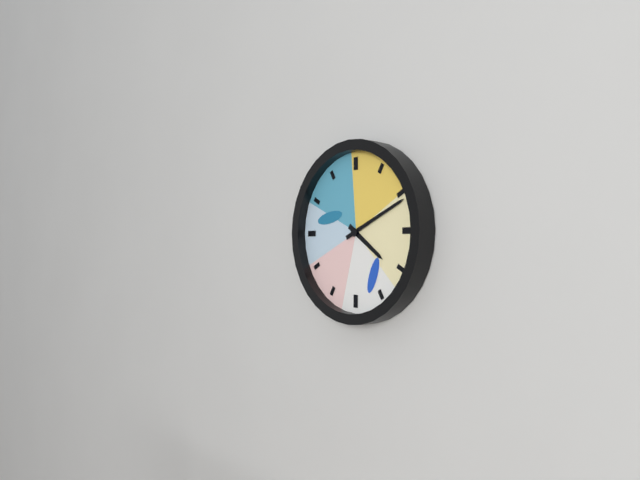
4:11
